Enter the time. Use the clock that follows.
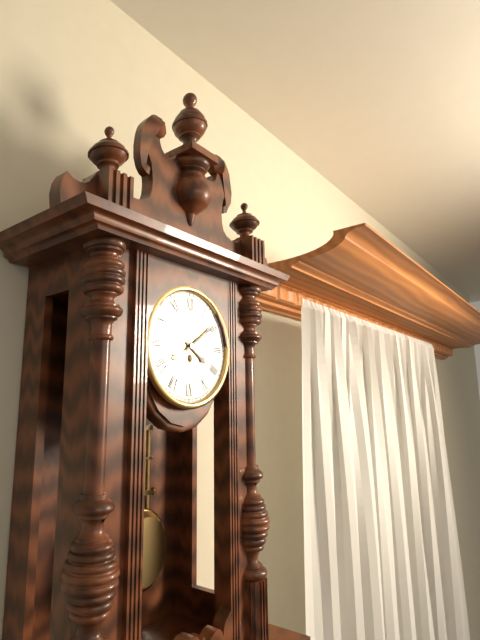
4:09
